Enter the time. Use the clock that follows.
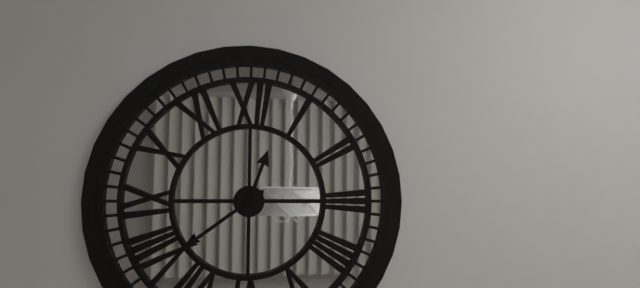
12:39
